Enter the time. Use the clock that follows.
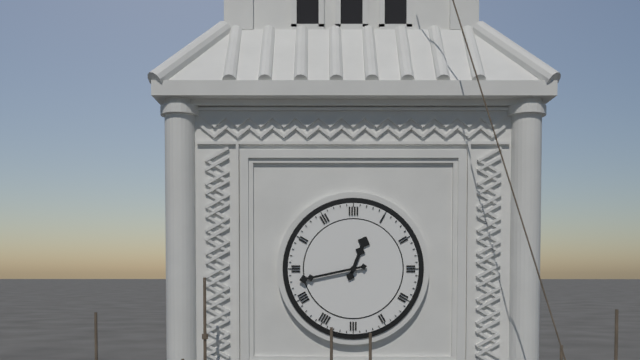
12:43
